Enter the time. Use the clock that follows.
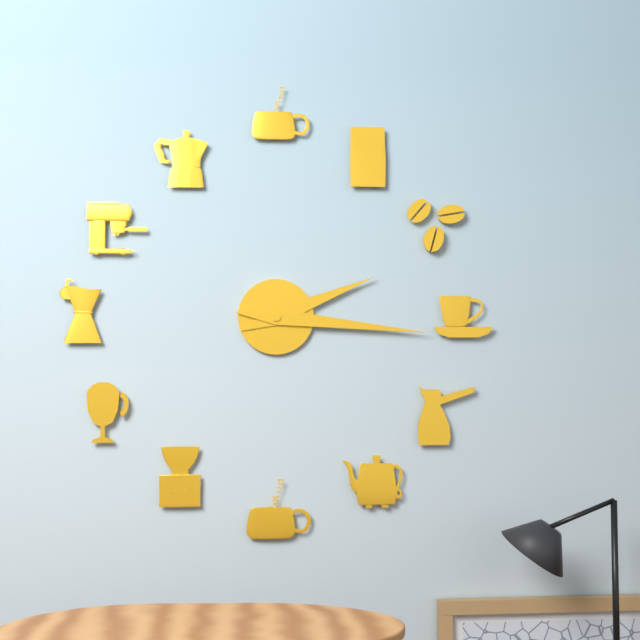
2:16
